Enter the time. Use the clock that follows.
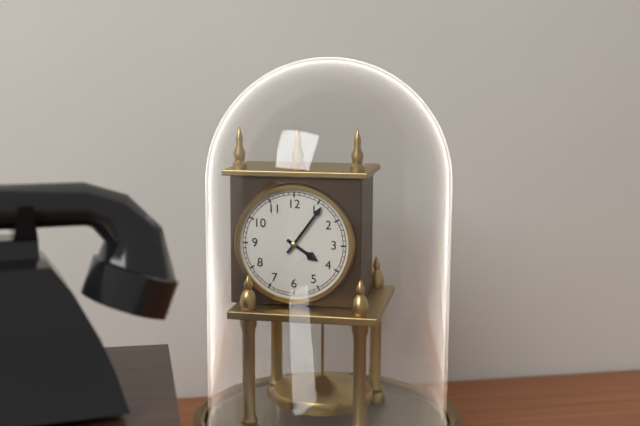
4:06
